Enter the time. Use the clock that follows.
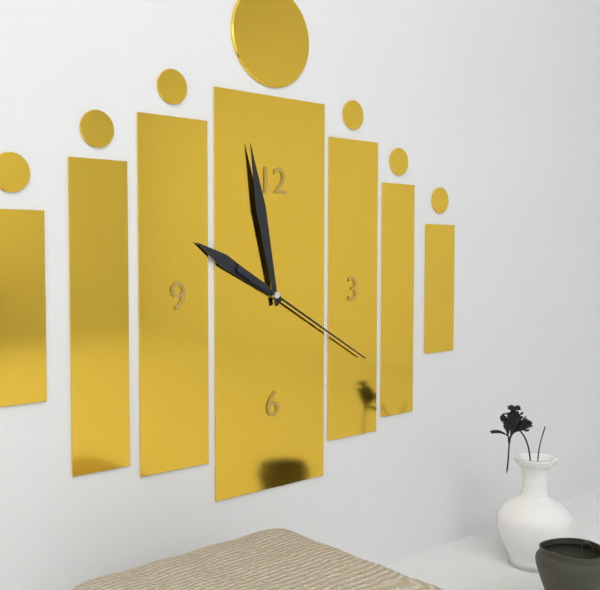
9:58:20
